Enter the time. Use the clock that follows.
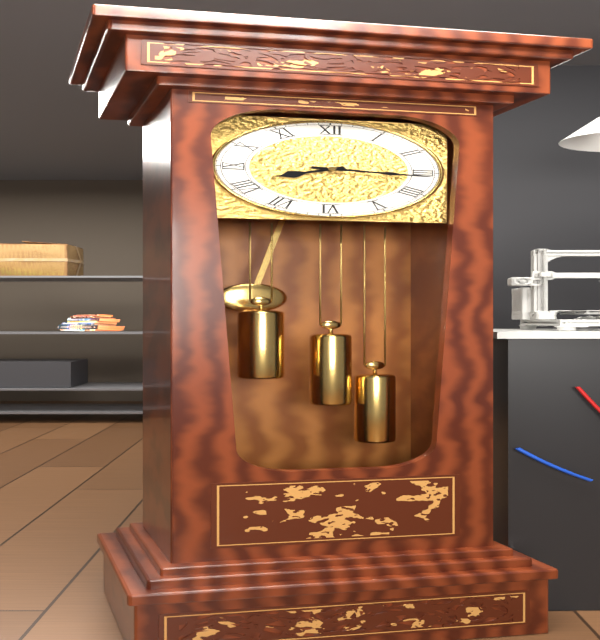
8:16
